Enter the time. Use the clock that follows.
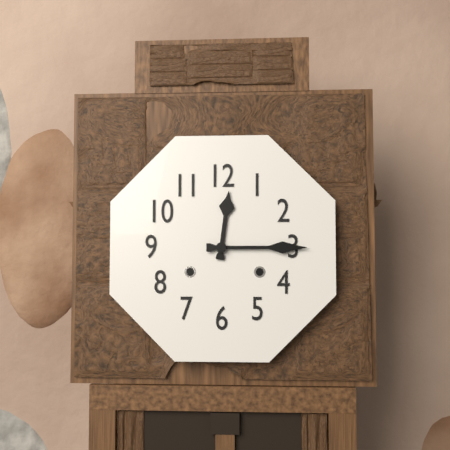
12:15
